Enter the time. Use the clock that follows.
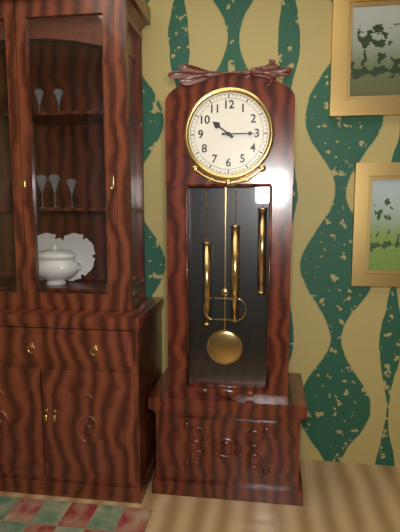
10:15
